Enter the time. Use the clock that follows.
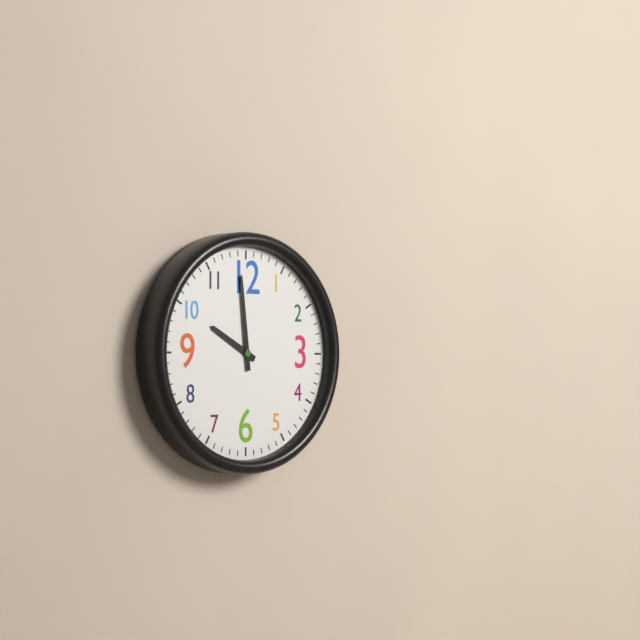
9:59
